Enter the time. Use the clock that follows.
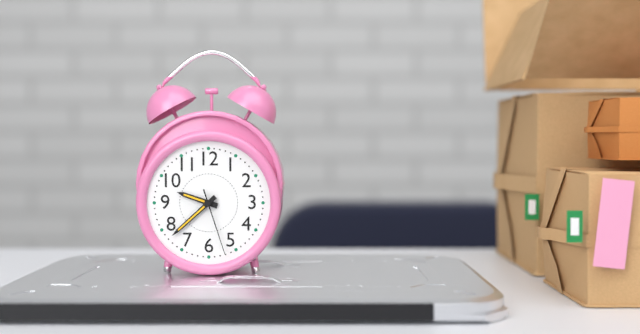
9:38:27
